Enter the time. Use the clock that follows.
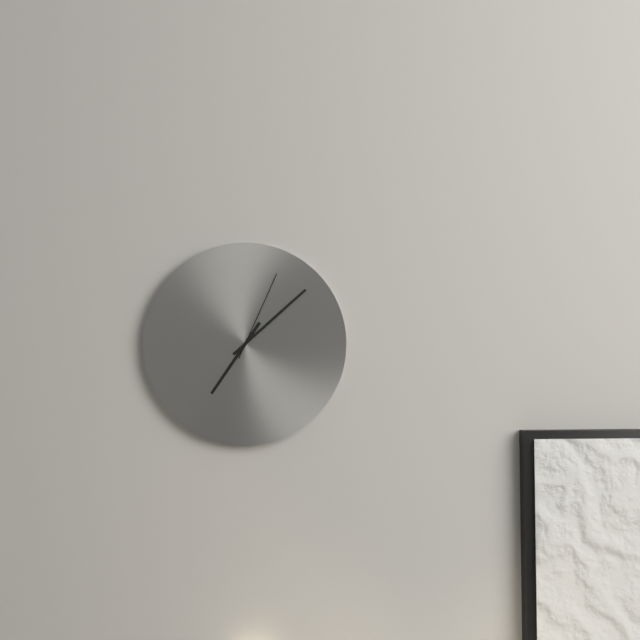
7:08:04
